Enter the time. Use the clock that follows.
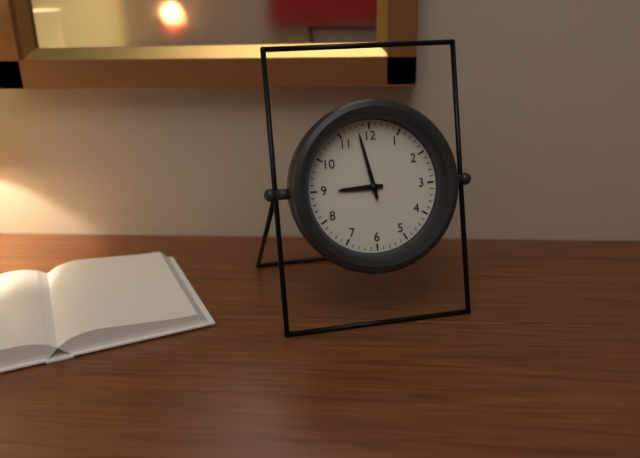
8:58
